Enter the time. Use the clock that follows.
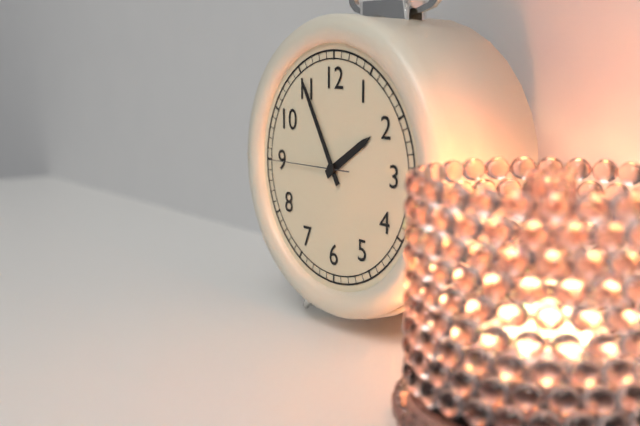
1:55:45
